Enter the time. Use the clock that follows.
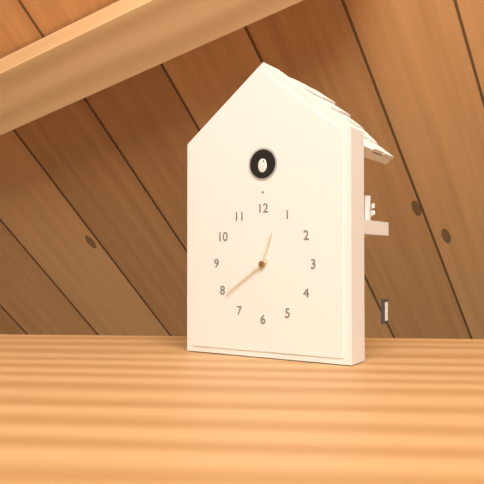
12:39
